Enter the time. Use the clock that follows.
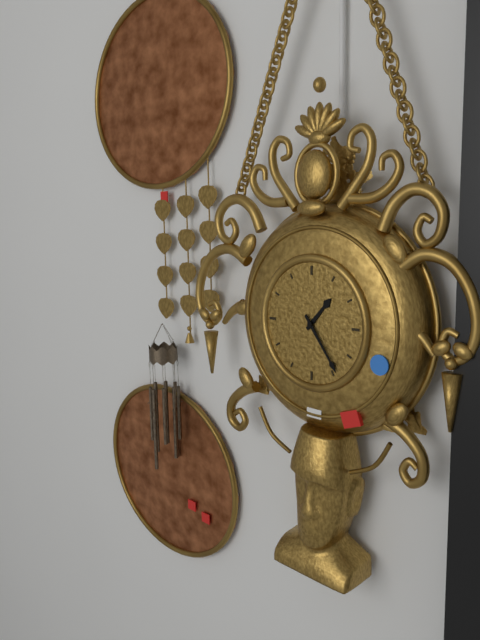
1:24
